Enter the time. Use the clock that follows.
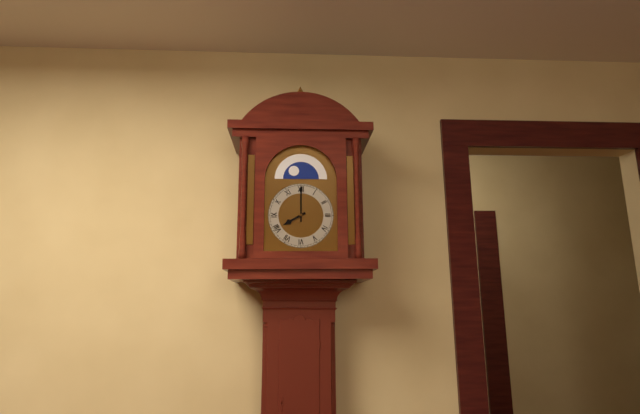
8:00
